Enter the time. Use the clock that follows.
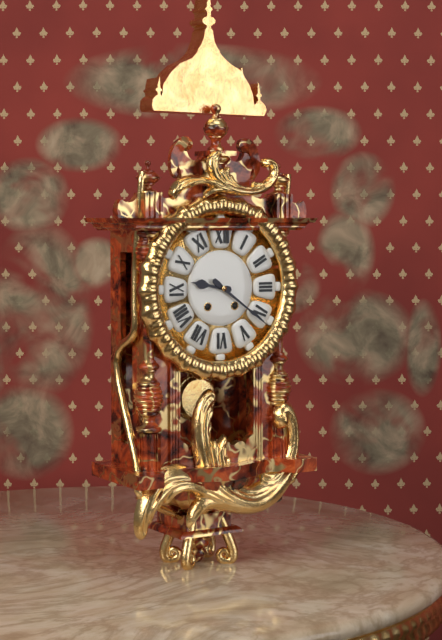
9:21
